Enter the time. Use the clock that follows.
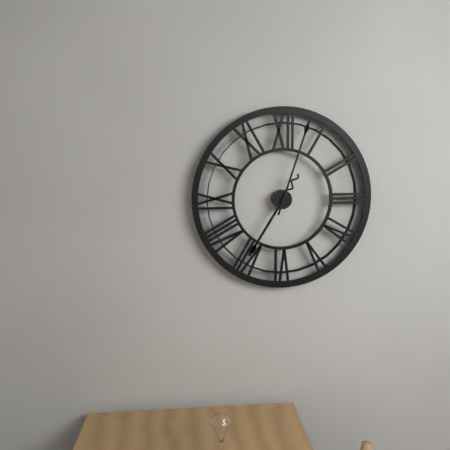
7:03
